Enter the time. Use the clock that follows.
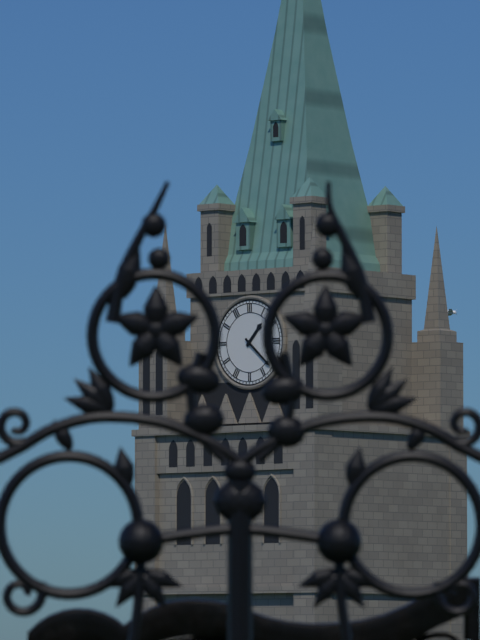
1:22
